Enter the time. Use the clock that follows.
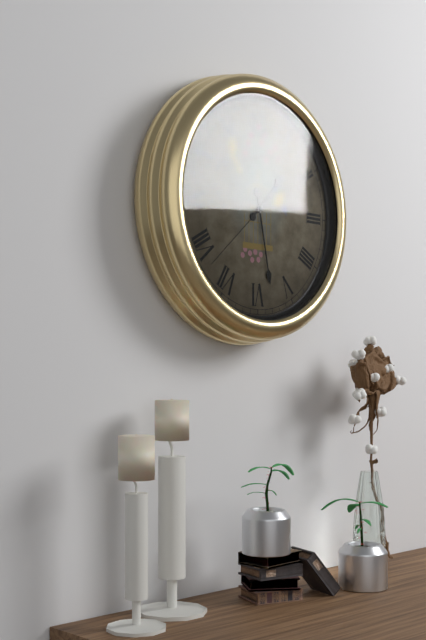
1:28:38
